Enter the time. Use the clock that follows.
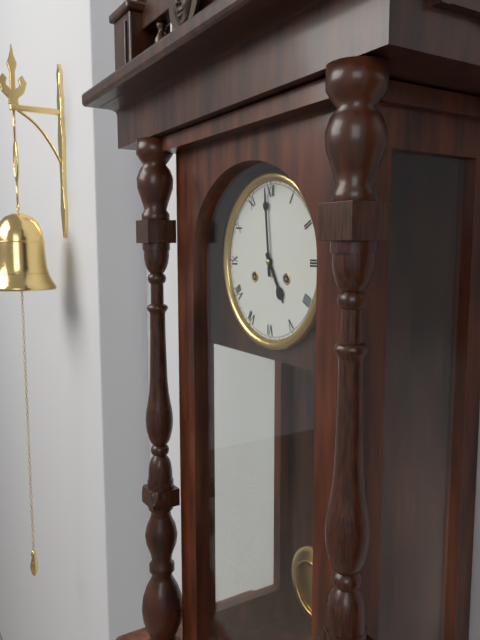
4:59
